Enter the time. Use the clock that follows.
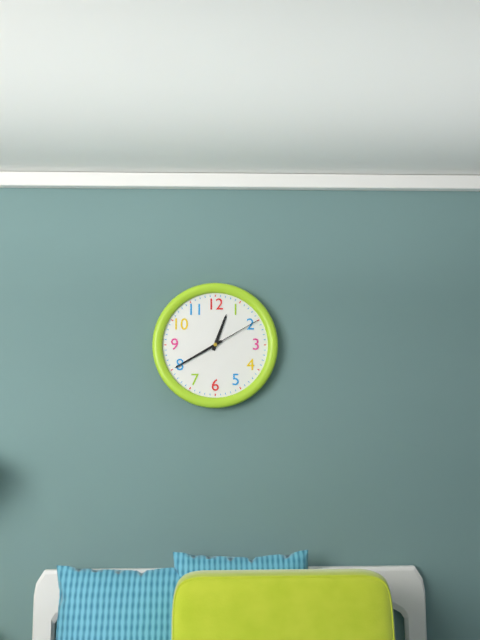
12:40:10
